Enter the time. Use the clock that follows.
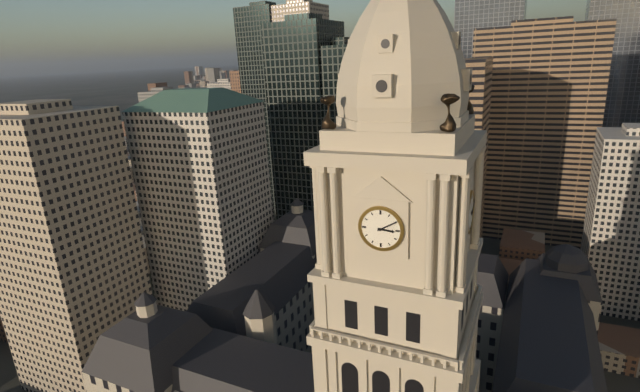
3:10
